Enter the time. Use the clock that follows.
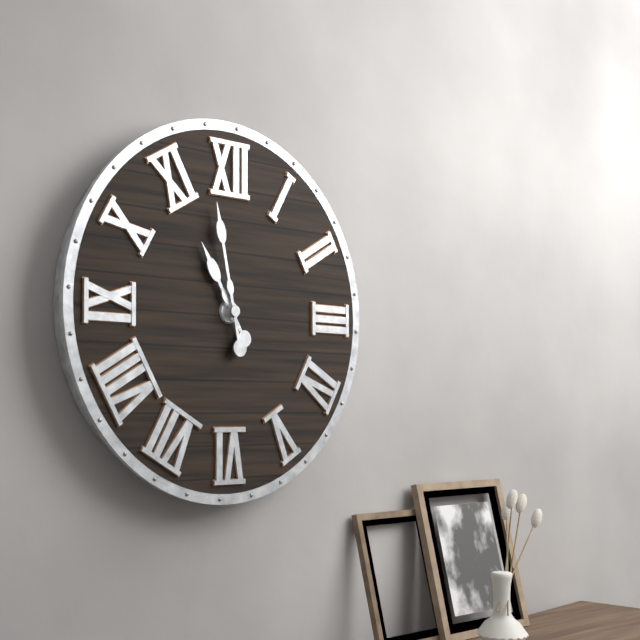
10:58
